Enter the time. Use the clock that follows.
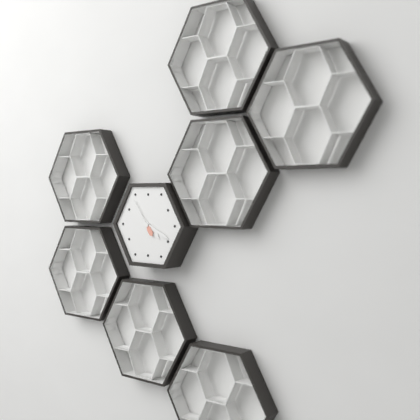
4:19
